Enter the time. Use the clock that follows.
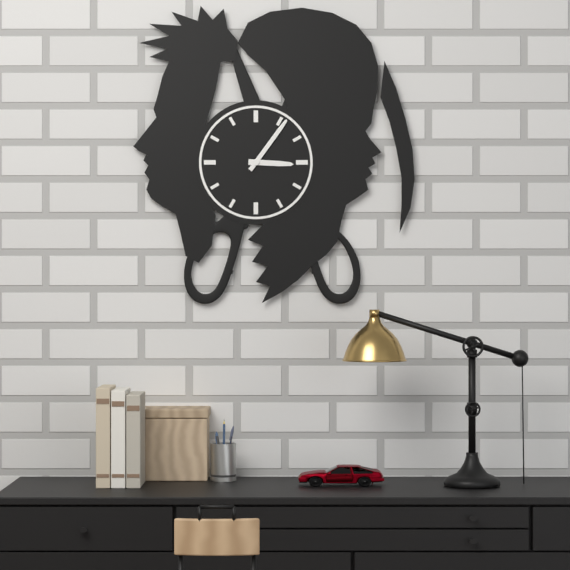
3:06
